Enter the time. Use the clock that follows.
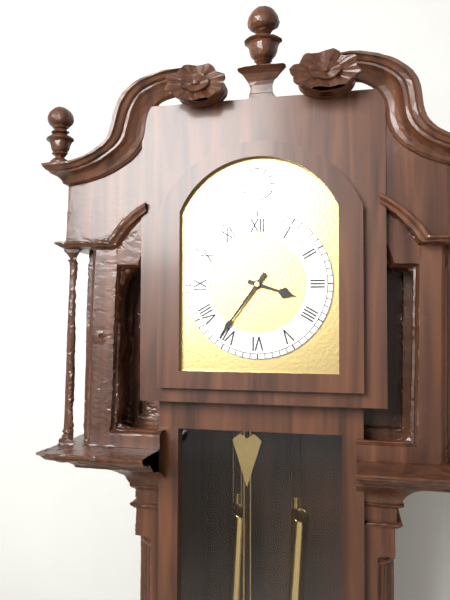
3:36
